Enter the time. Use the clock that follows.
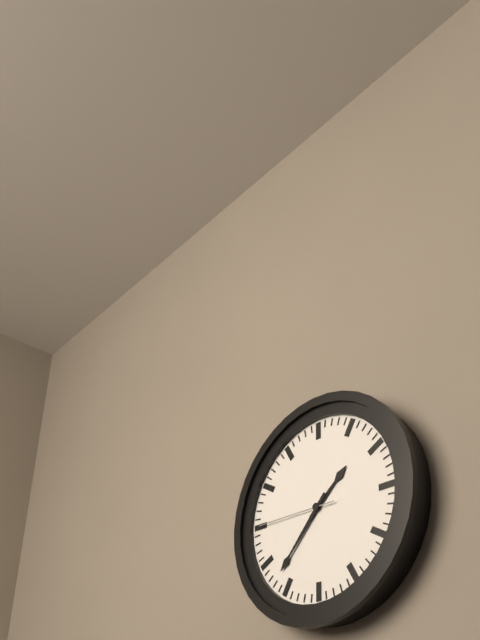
1:37:45
